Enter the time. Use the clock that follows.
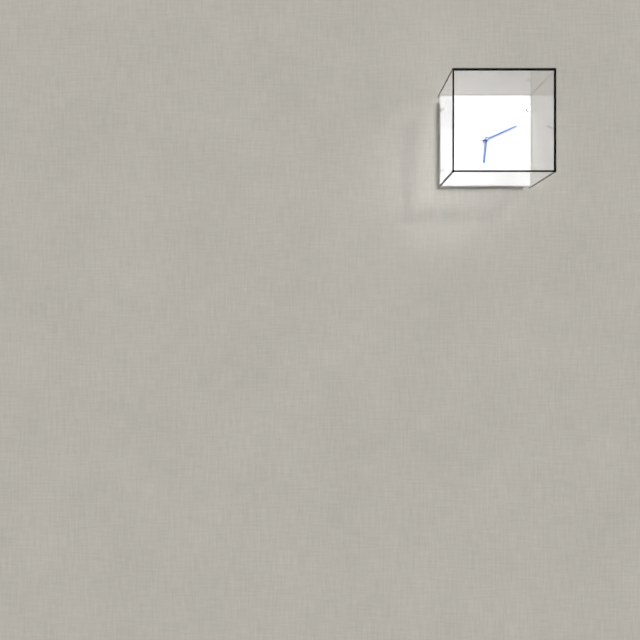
6:11
